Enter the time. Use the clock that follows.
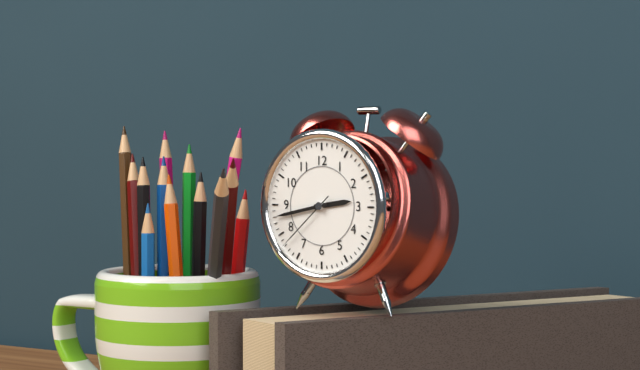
2:43:38
